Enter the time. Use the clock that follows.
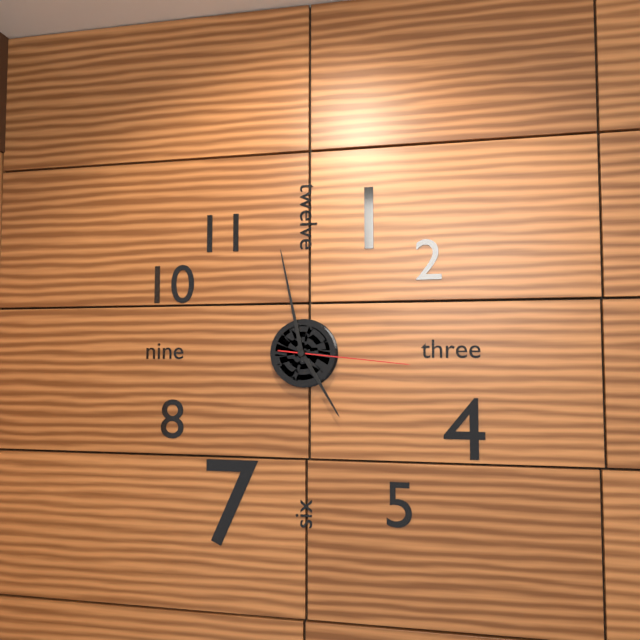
4:58:16
